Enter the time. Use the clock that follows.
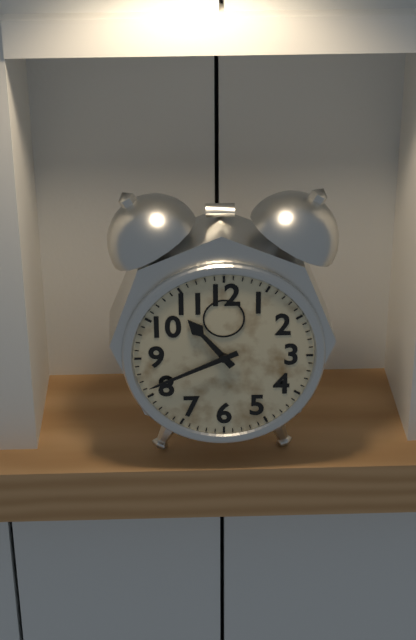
10:41
